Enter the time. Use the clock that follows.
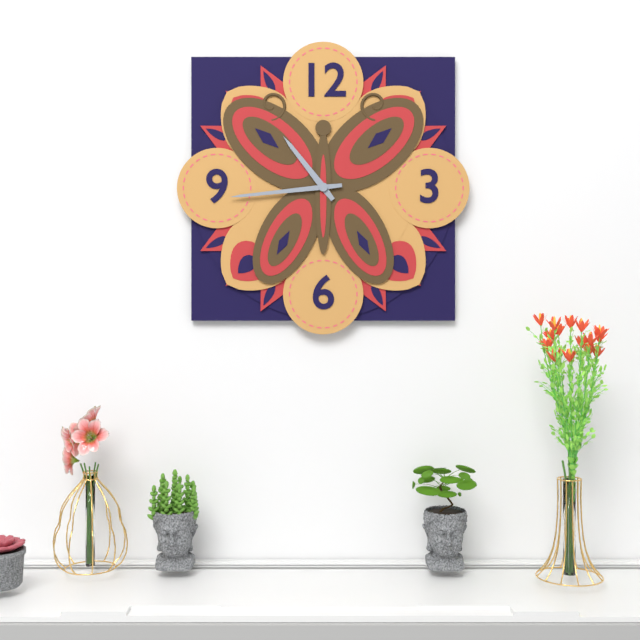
10:44
